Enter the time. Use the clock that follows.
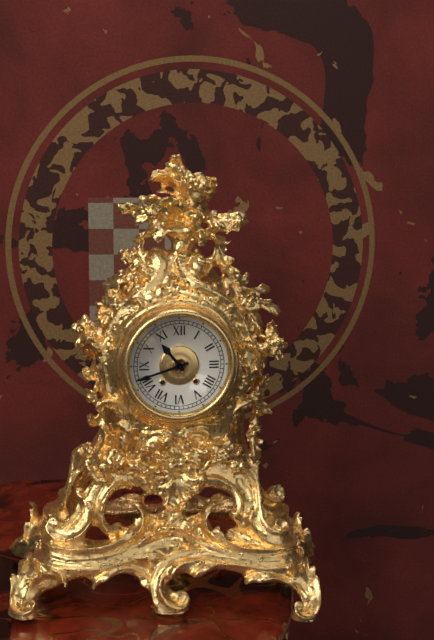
10:42
